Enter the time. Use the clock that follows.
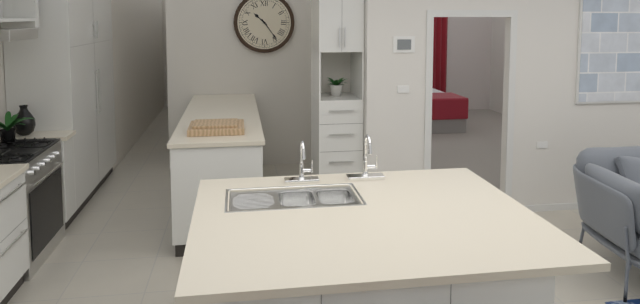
10:24
